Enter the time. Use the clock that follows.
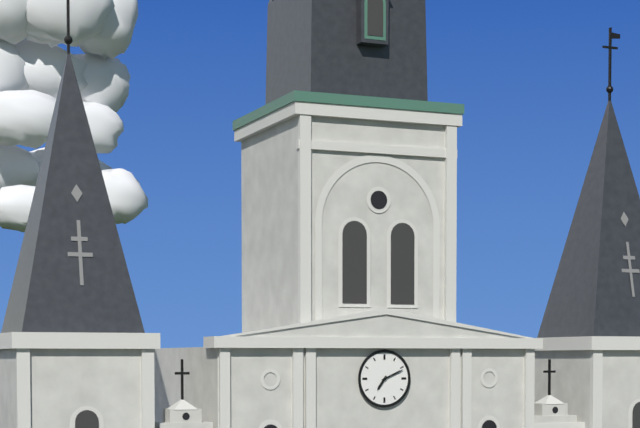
7:11
